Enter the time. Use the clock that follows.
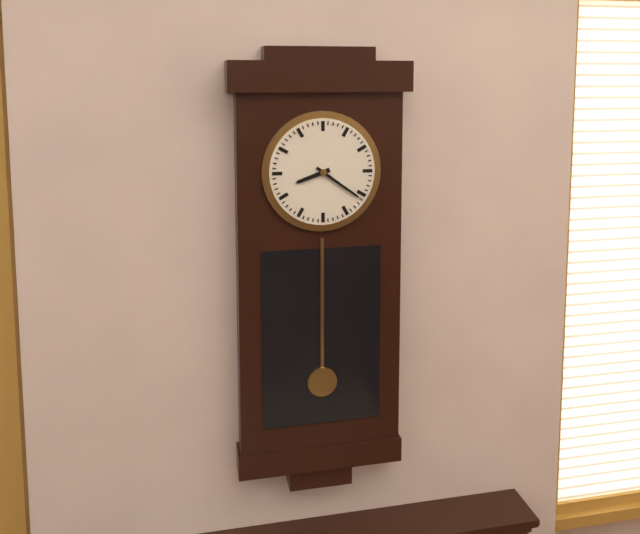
8:21
